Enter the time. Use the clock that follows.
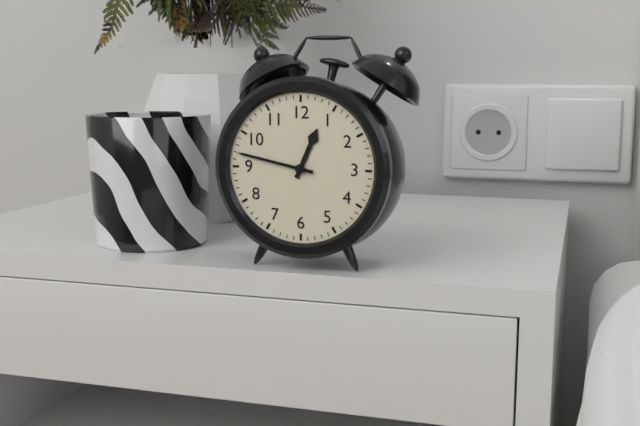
12:47
